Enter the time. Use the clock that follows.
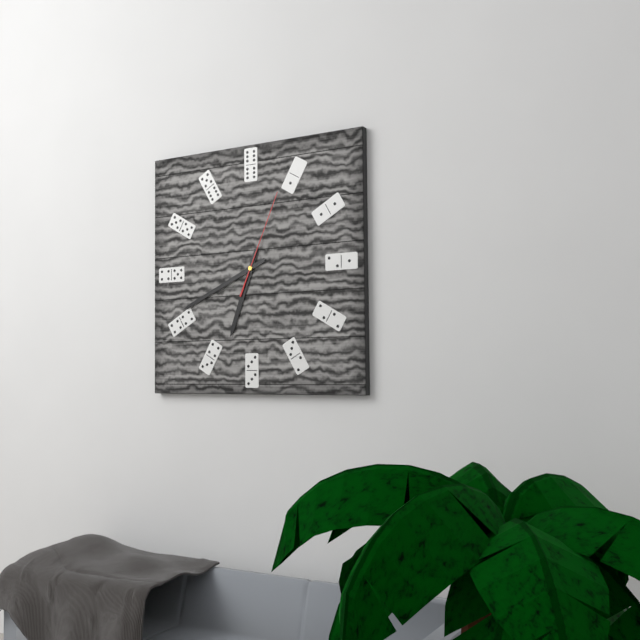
6:41:04
